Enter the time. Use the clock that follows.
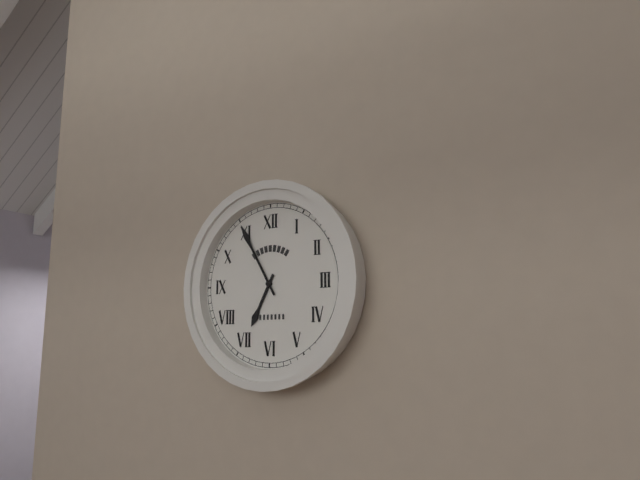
6:55
